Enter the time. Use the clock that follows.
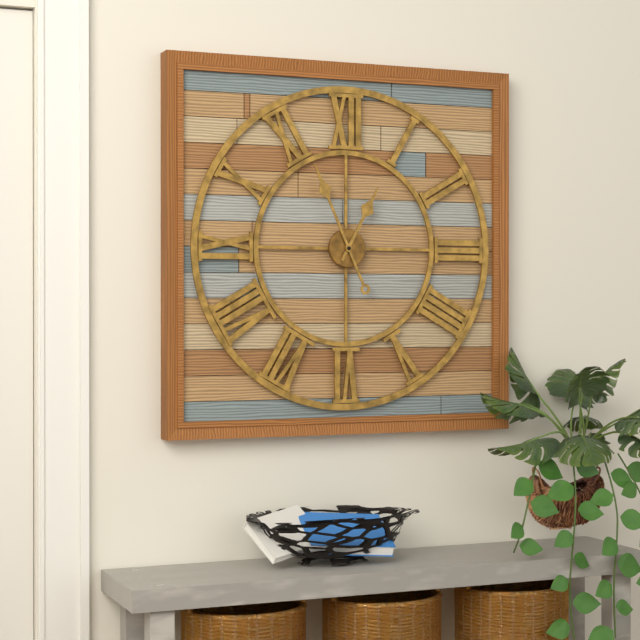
12:56
